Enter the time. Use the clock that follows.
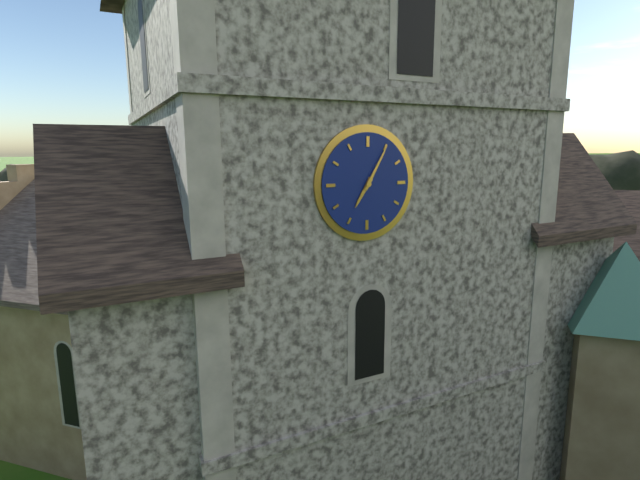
7:05
